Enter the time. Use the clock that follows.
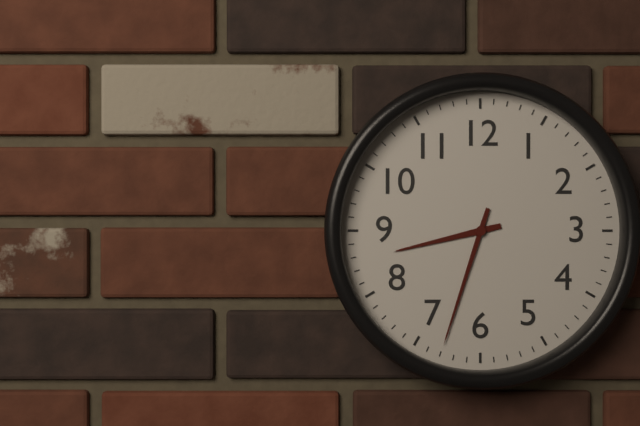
8:33
